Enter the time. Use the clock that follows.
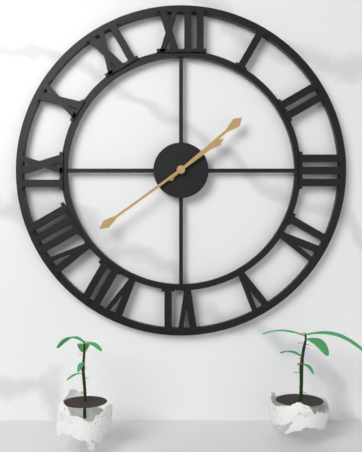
1:39
